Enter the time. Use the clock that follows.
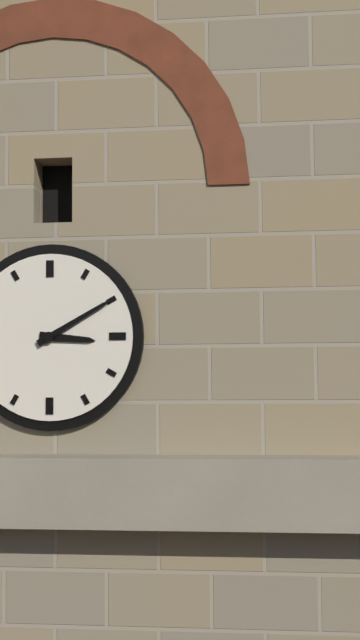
3:10
